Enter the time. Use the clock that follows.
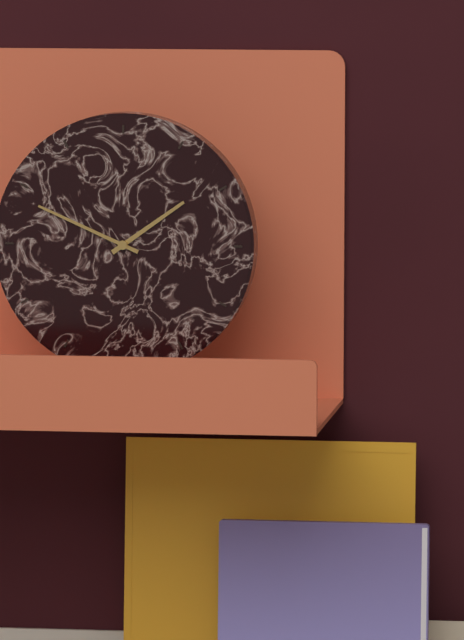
1:49
